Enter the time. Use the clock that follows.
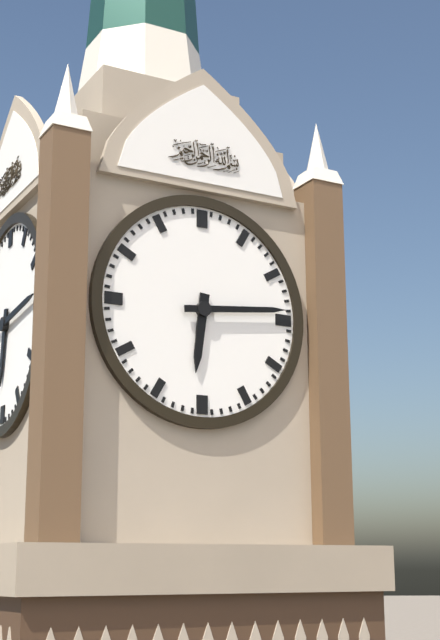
6:14
